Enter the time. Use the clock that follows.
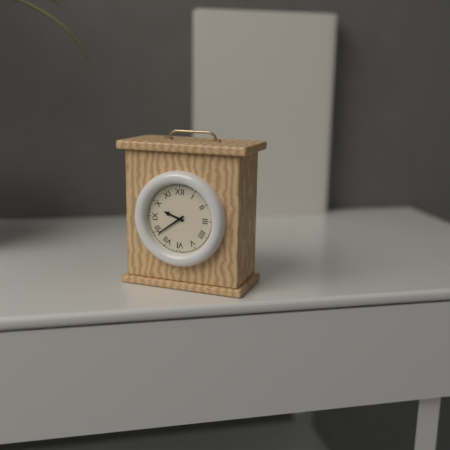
9:39
